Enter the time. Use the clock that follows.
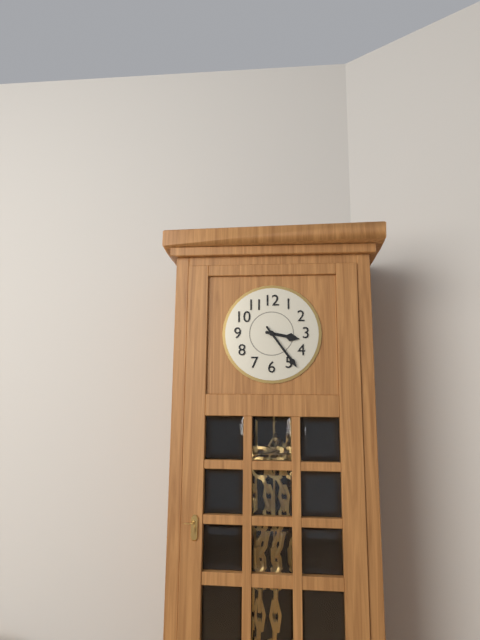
3:24
